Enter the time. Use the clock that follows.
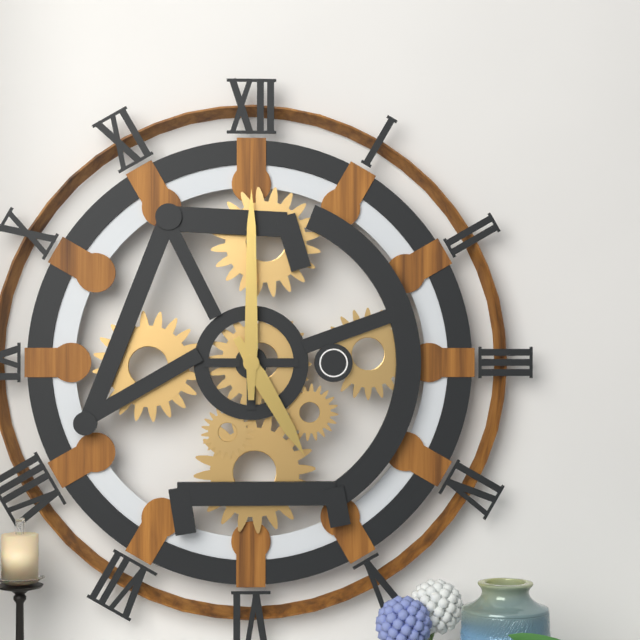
5:00
